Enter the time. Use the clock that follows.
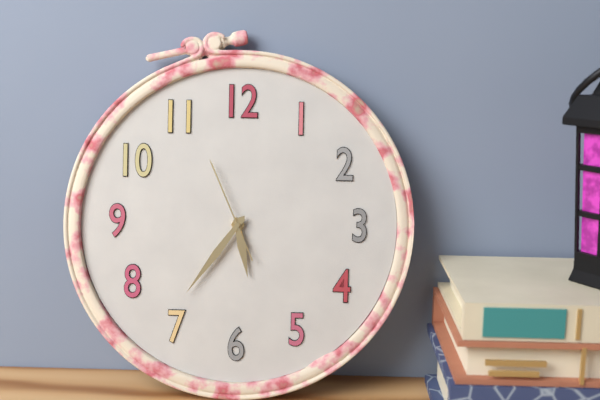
5:36:56
